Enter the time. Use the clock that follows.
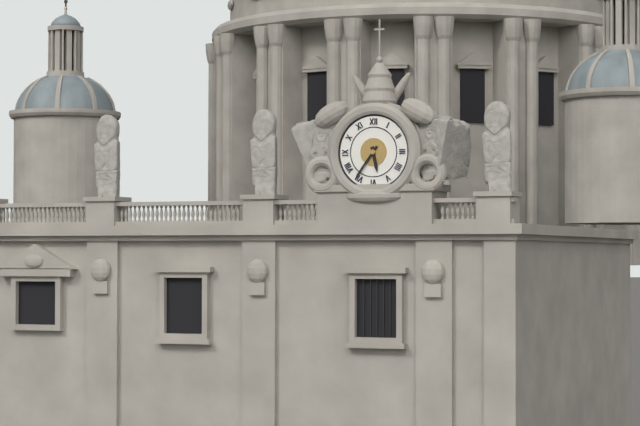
5:36
